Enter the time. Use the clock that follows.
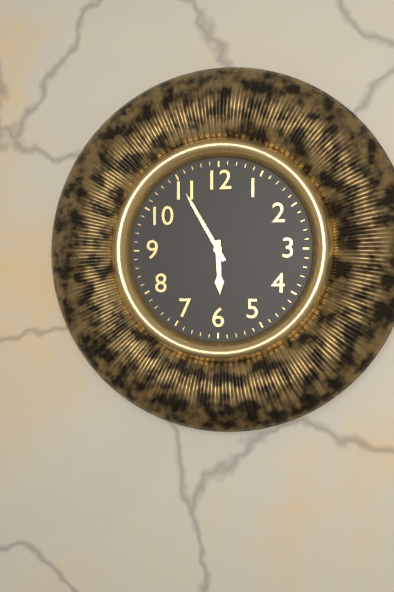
5:55
